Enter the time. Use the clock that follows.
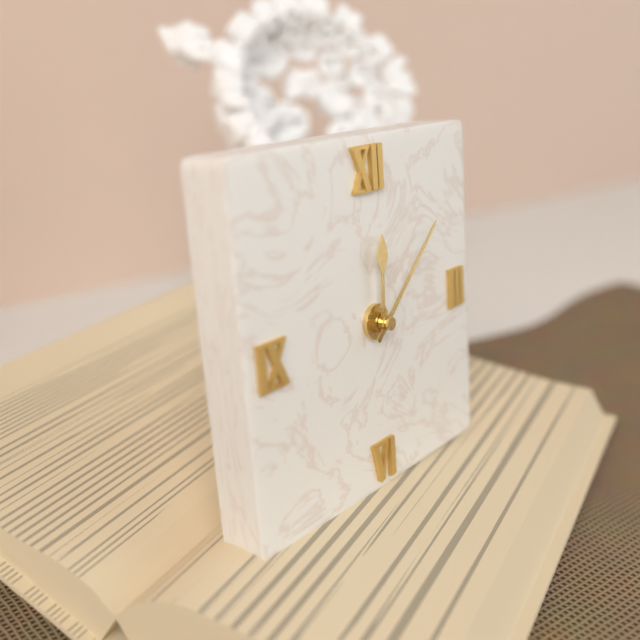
12:08
